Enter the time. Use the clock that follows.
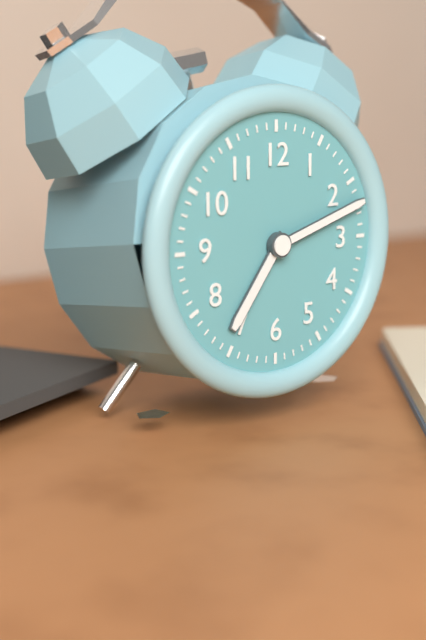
7:12
